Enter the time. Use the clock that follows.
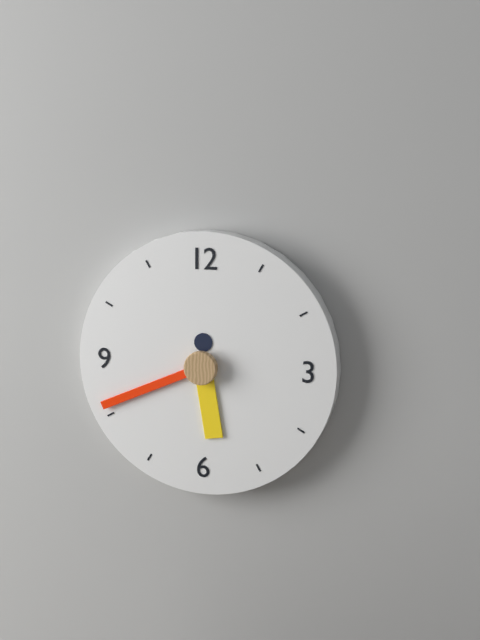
5:41
